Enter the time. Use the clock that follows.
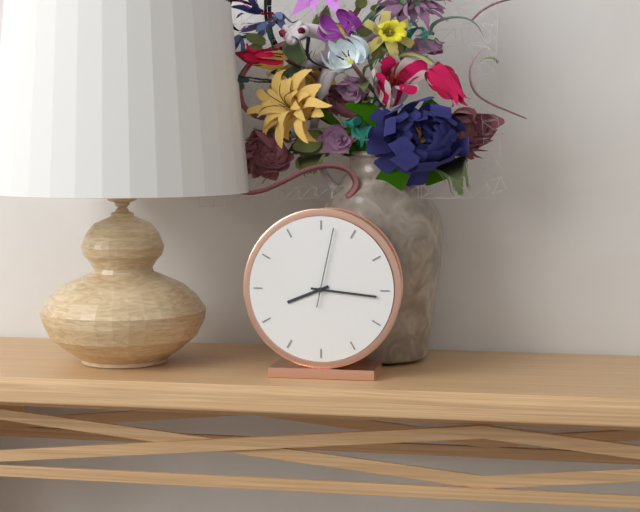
8:16:02
